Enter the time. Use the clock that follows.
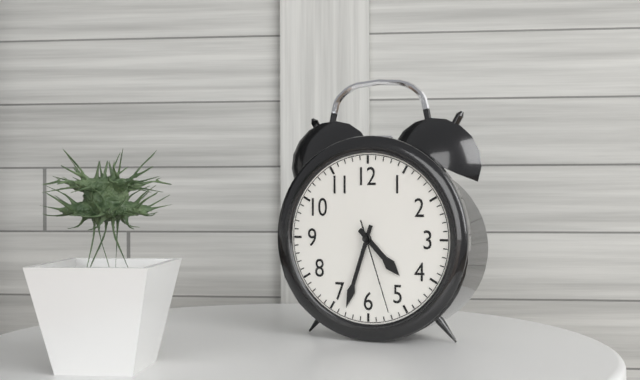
4:33:27
